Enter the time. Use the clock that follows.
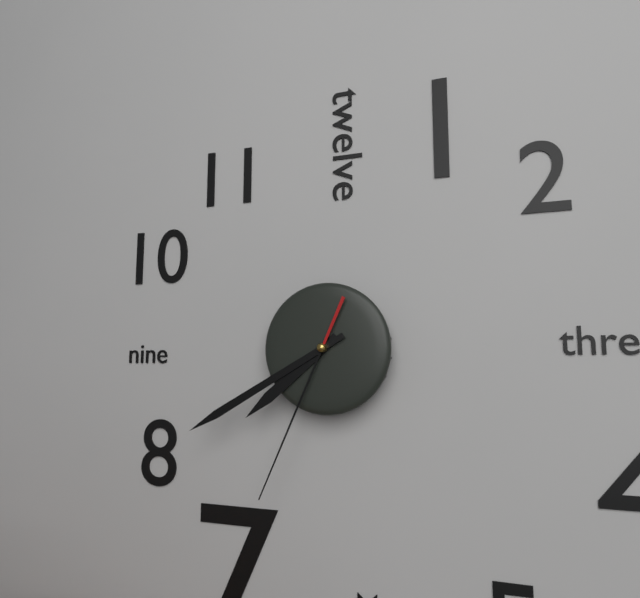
7:40:34
